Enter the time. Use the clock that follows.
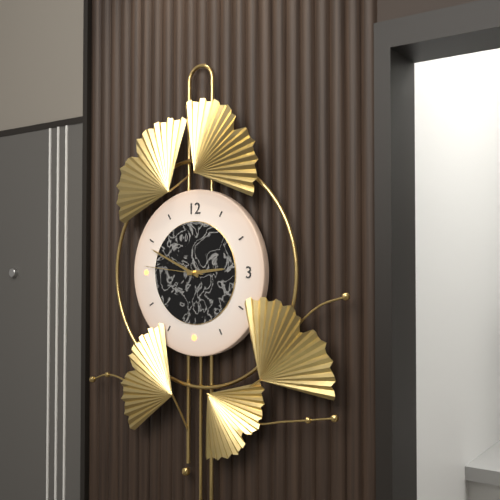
2:49:46
